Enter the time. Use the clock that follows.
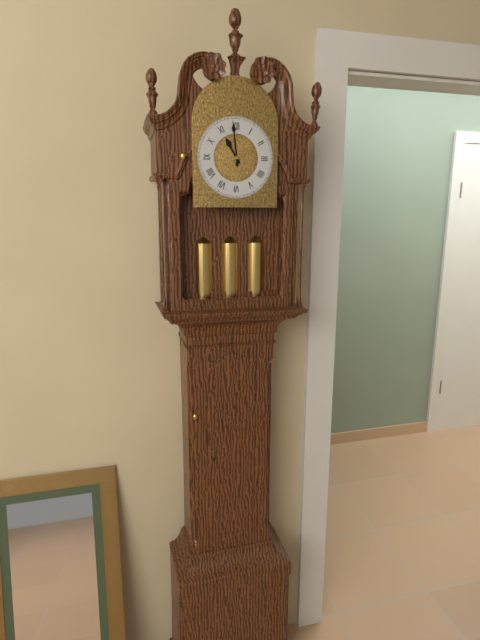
10:59
